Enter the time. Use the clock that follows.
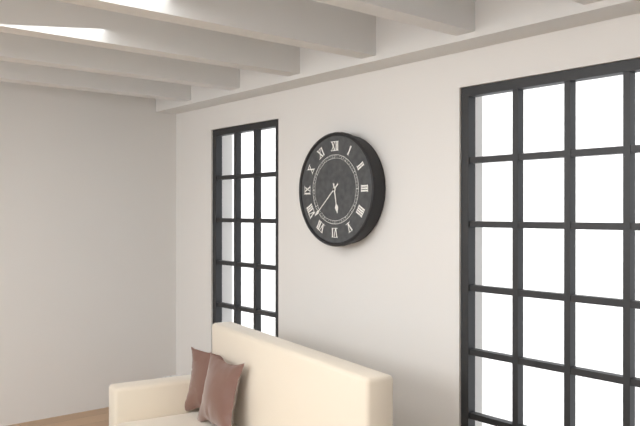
5:38
